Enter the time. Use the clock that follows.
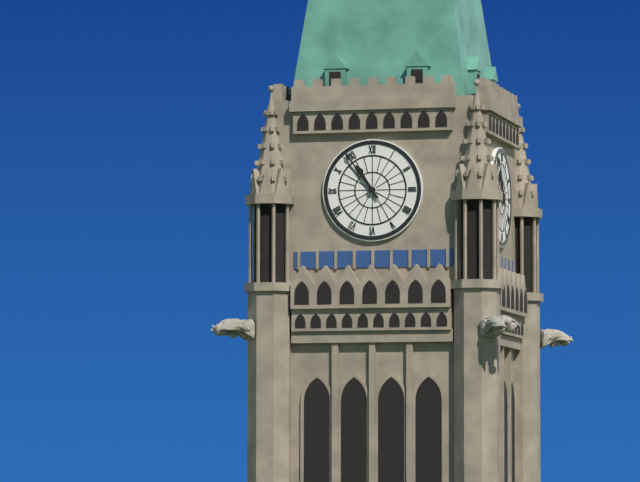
10:54
